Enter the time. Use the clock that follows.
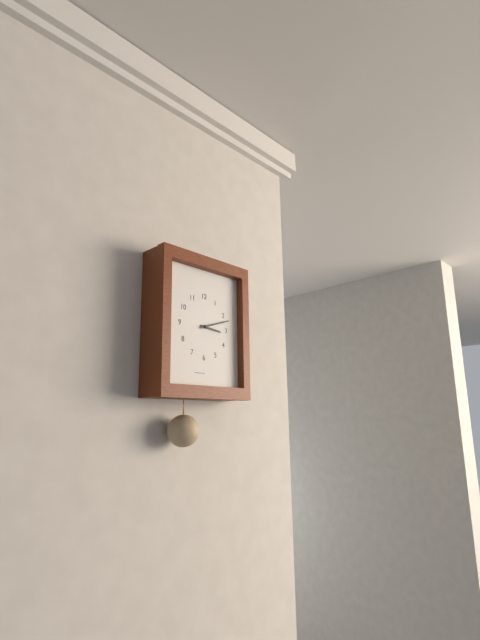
3:12
